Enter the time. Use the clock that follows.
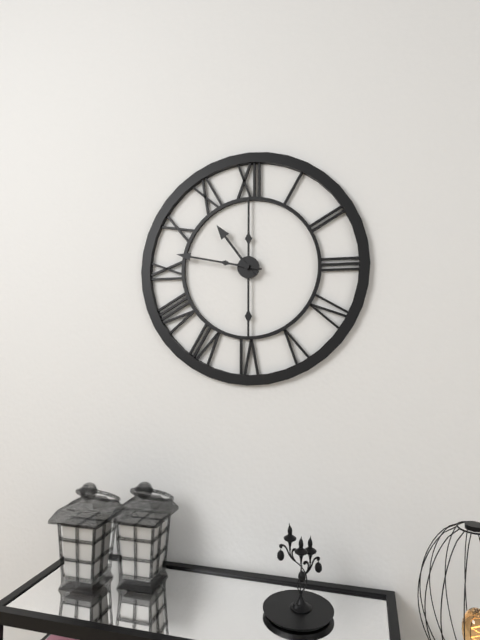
10:47
